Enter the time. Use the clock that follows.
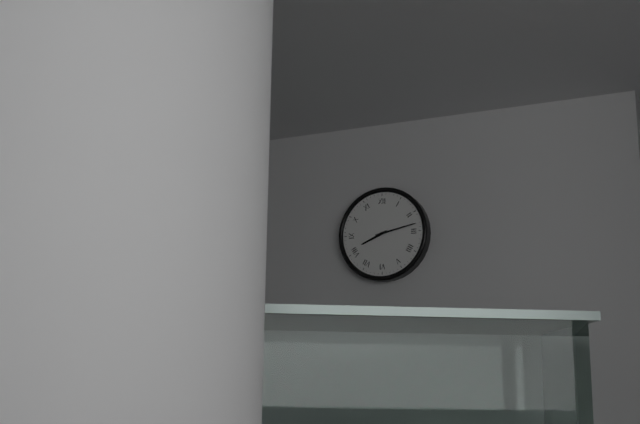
8:13
